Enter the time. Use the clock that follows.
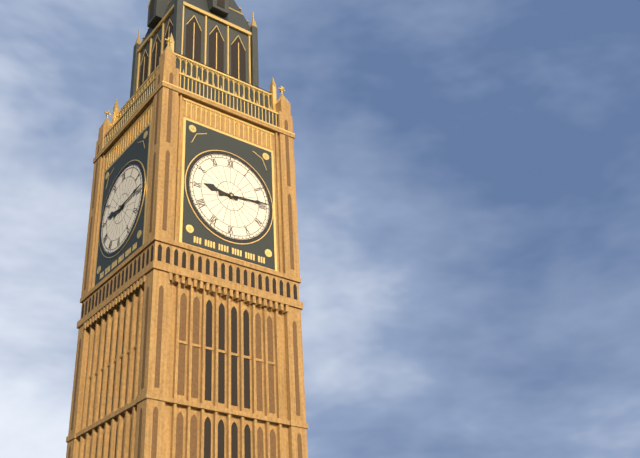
9:14
